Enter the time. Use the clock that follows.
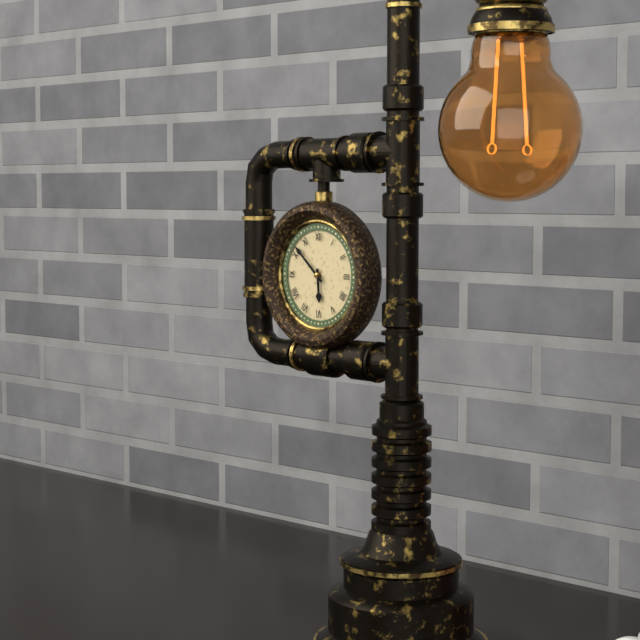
5:52
